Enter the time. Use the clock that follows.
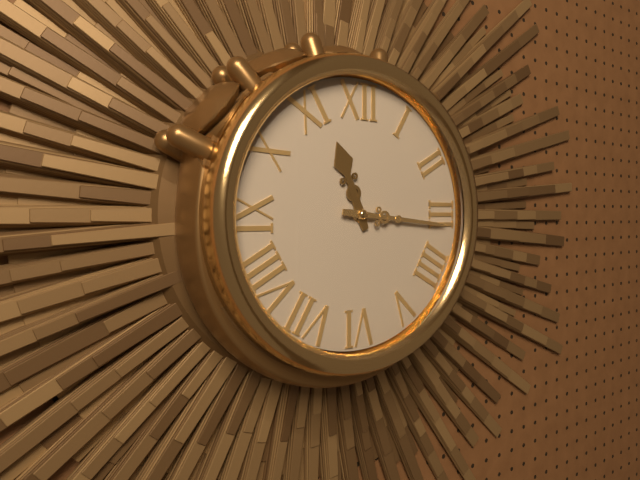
11:16
